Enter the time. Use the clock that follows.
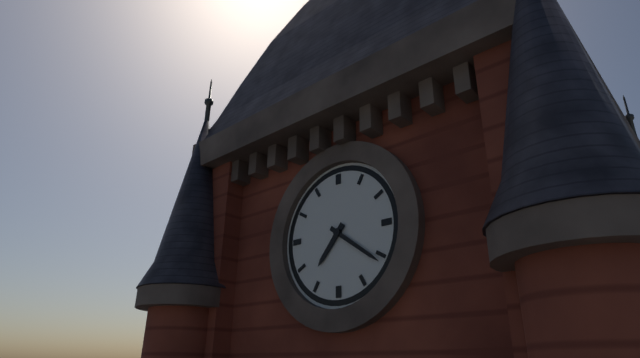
7:21
